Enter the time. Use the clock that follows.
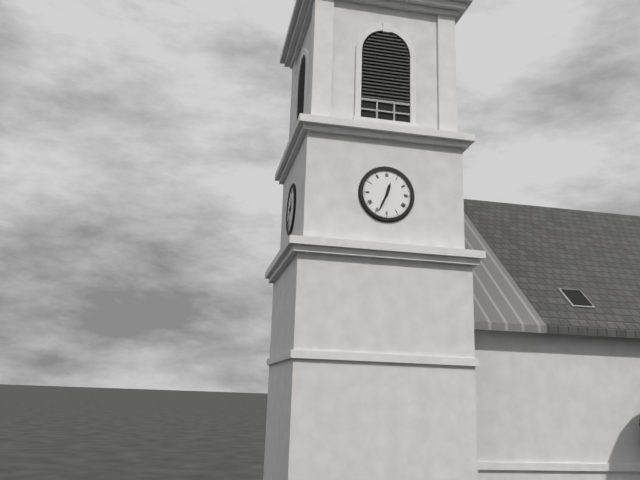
12:34
